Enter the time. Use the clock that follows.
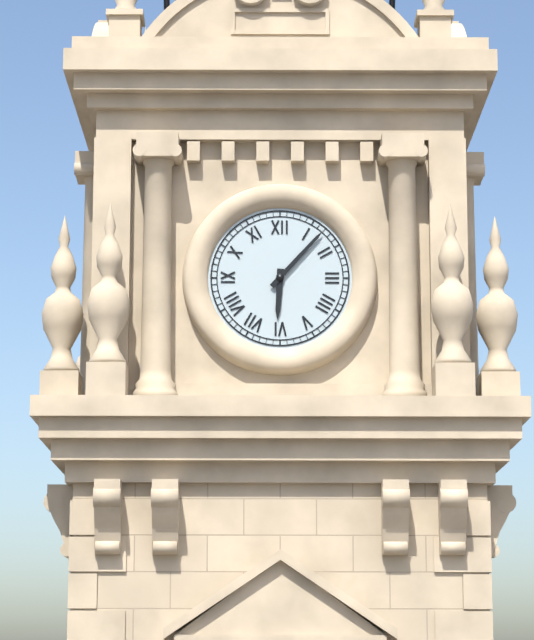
6:07
